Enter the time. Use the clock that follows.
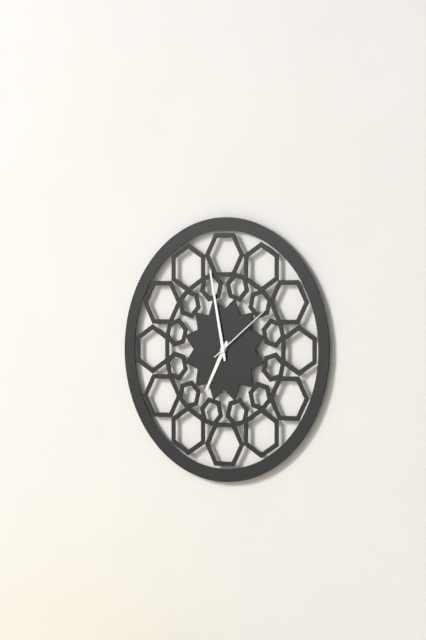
6:58:09
